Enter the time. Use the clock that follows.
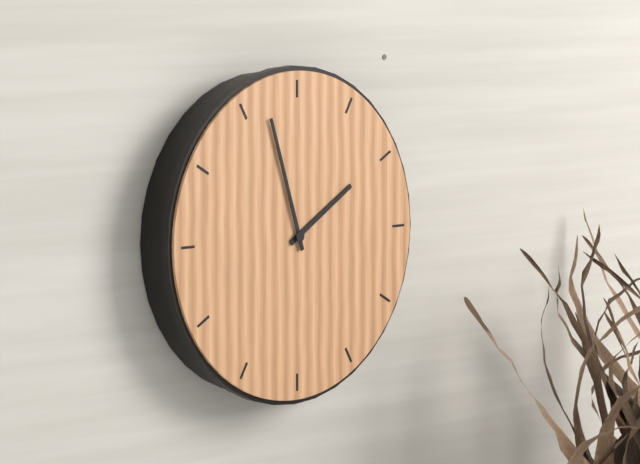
1:57
